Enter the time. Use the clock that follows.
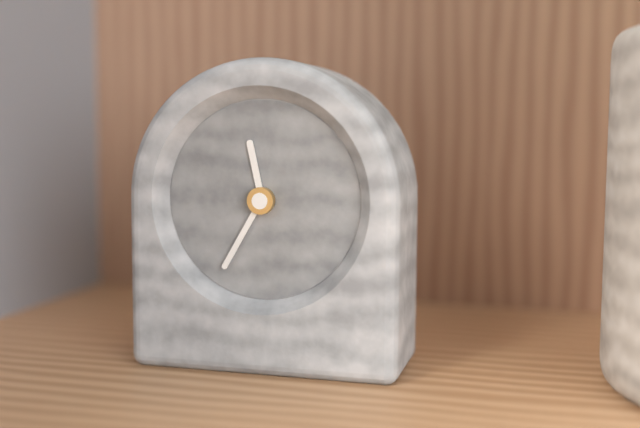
11:35
